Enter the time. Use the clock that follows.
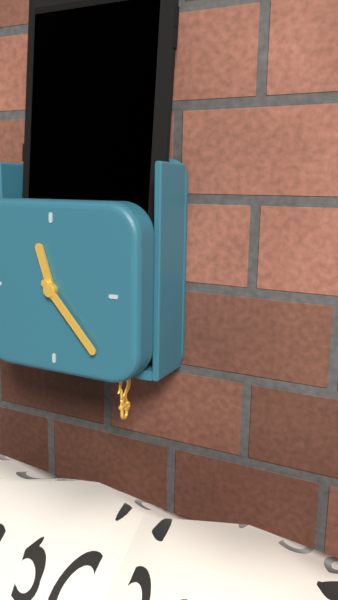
11:23
